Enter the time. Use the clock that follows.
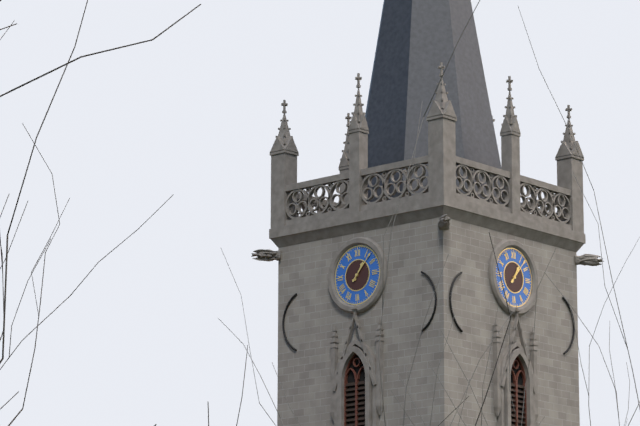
1:07
